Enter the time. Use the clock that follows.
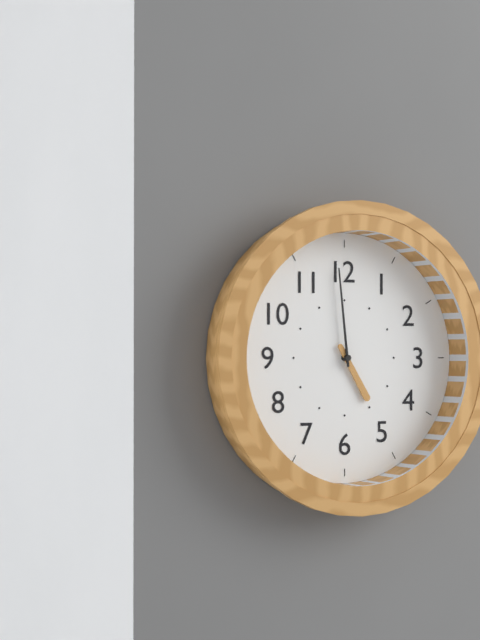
4:59
